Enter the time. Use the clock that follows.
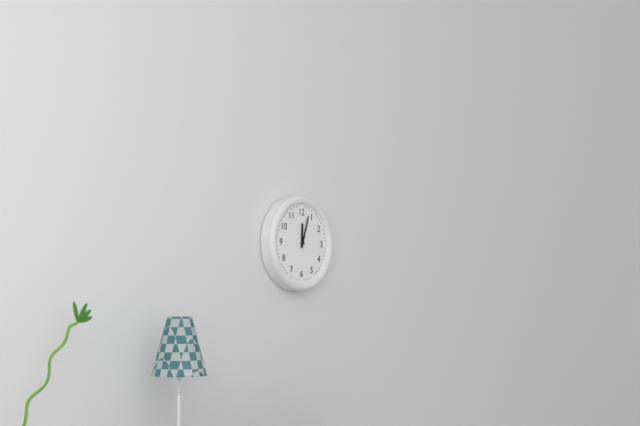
12:03
